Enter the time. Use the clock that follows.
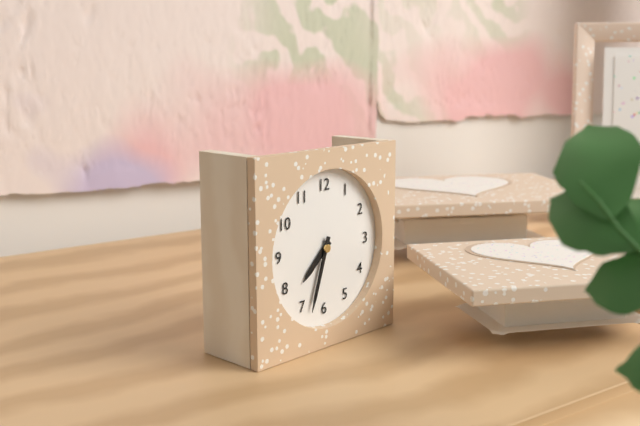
7:33
